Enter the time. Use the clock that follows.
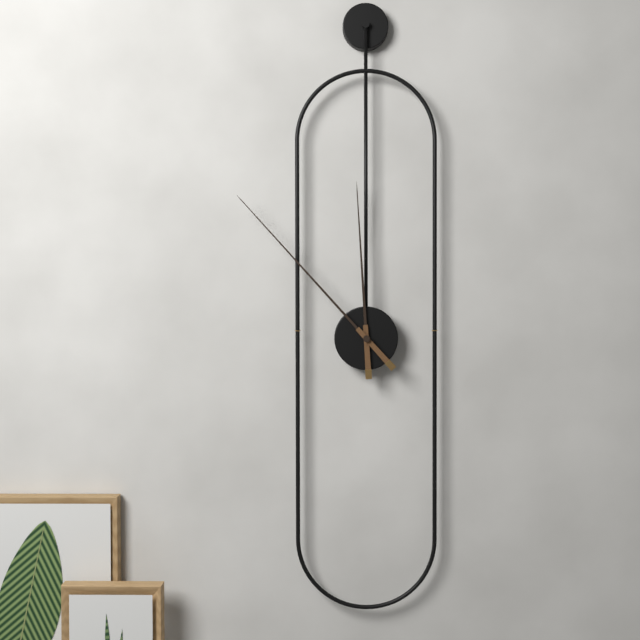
11:53
